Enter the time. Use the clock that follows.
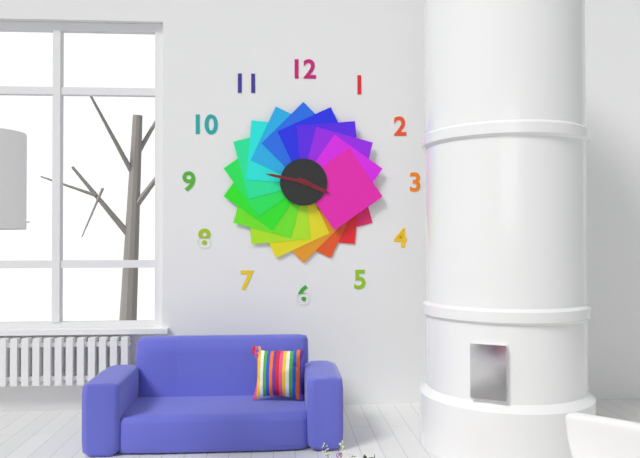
3:47
